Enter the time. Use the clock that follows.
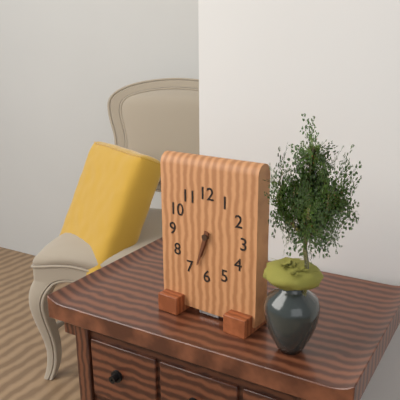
6:33
